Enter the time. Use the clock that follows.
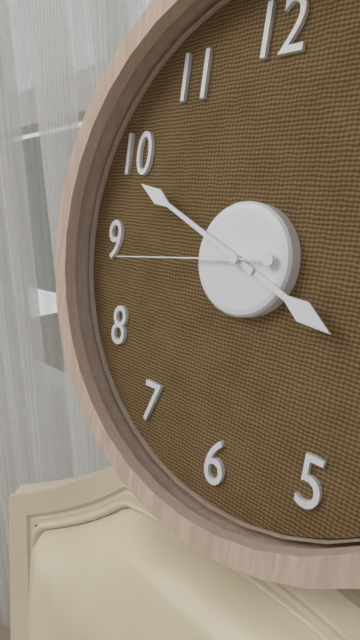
3:49:44
